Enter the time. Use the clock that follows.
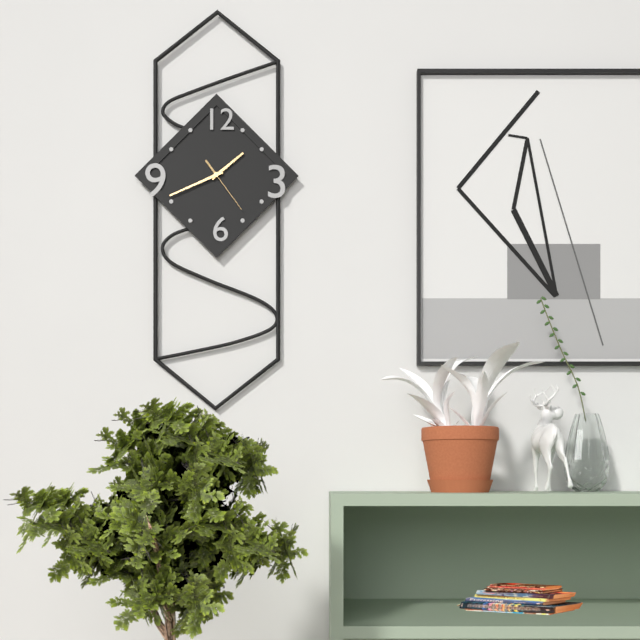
1:41
